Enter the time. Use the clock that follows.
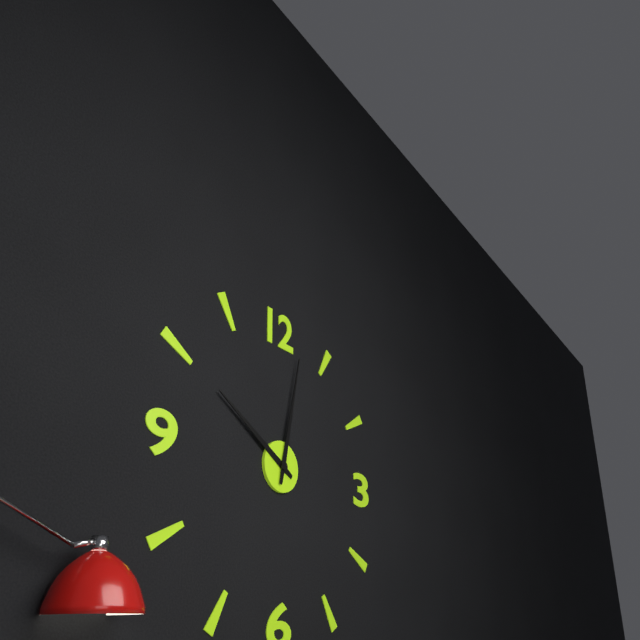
10:02
